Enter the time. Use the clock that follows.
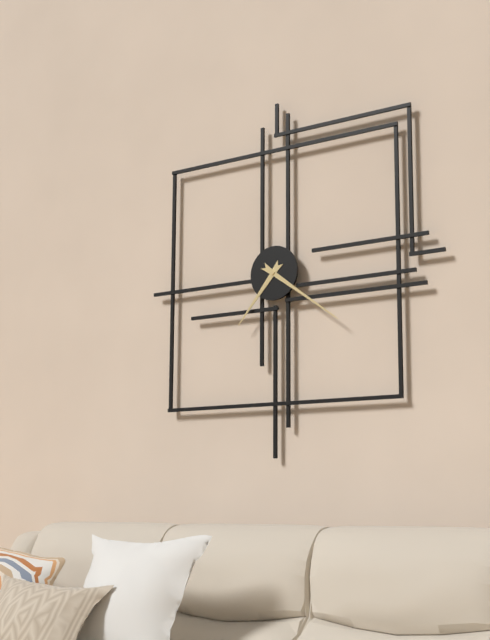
7:21
